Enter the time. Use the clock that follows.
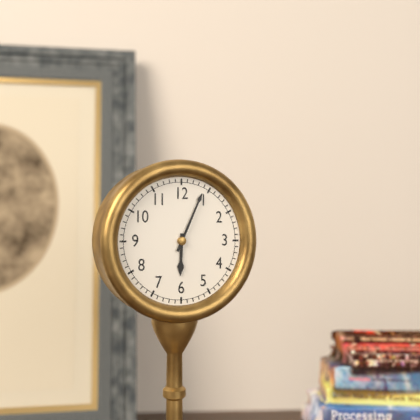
6:04
